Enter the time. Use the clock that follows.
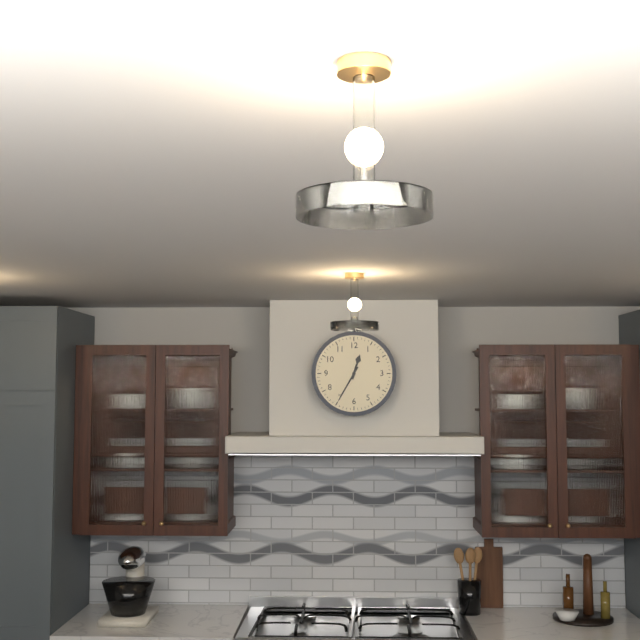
12:35
